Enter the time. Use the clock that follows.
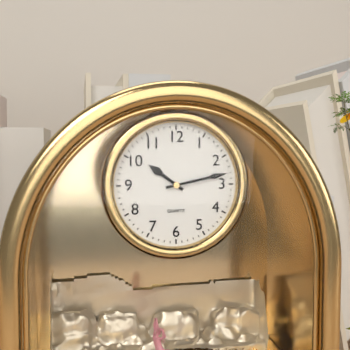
10:13
